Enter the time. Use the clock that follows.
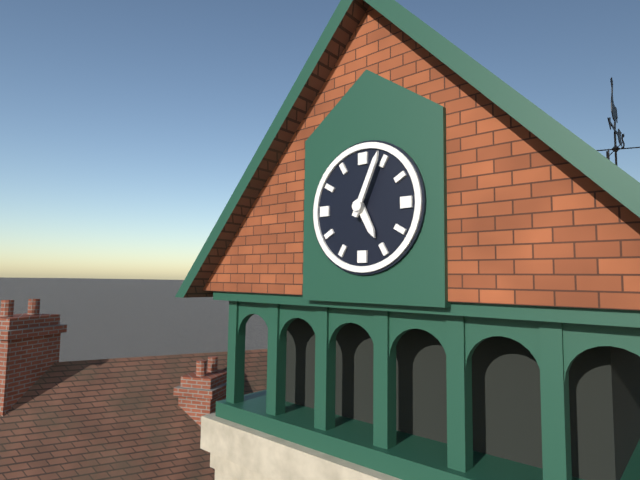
5:04
